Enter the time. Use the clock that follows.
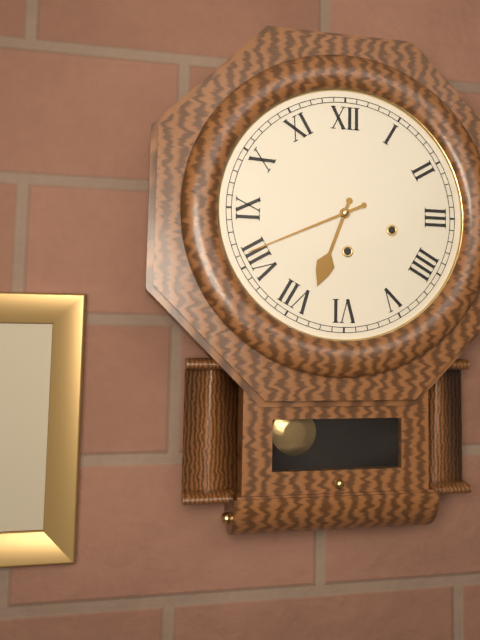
6:41
